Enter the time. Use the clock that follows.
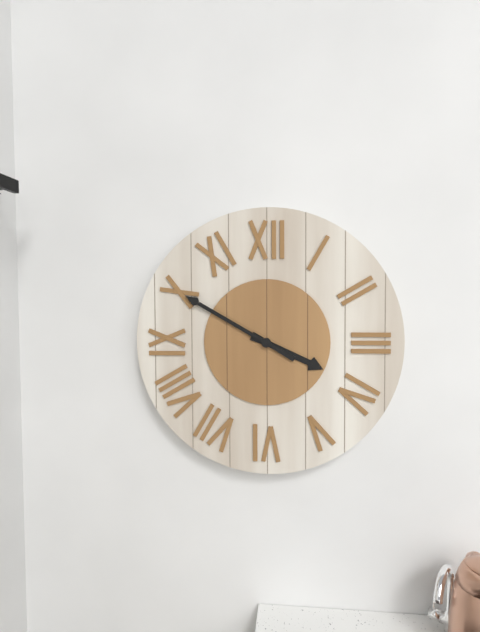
3:50
